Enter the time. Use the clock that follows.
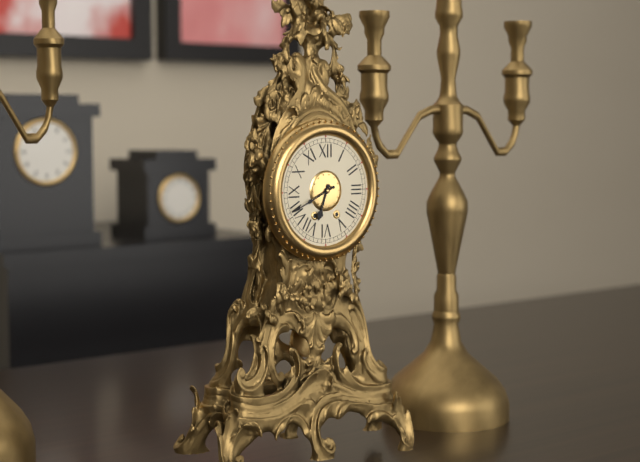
6:41
